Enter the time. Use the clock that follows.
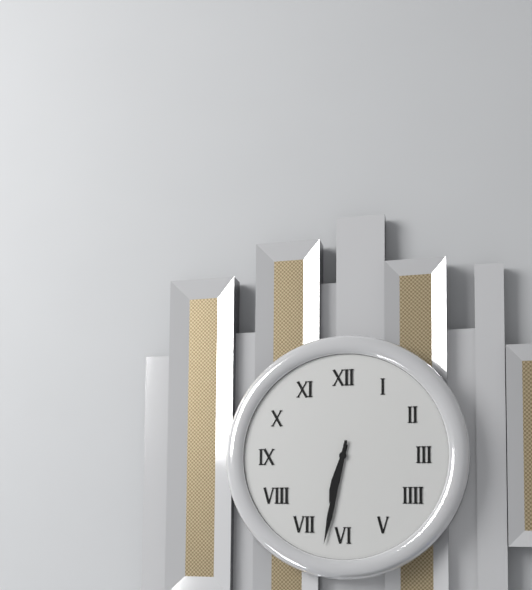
6:32
